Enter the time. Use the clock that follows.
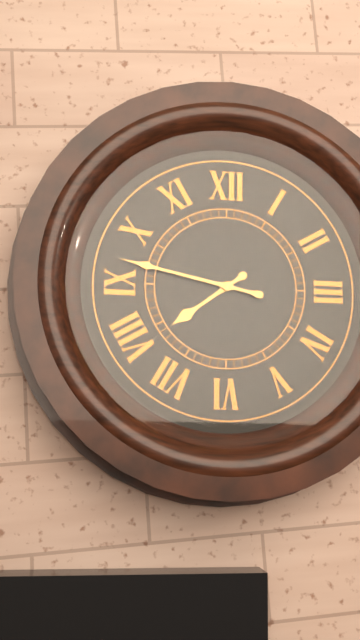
7:47
